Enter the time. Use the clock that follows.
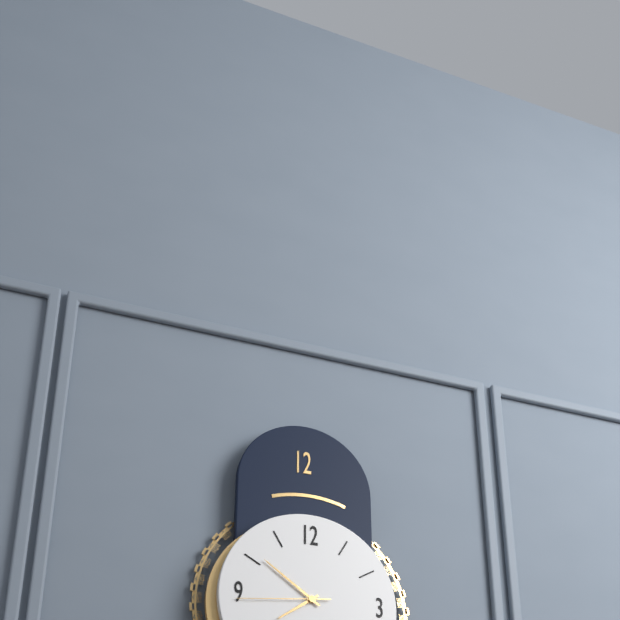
7:51:44
